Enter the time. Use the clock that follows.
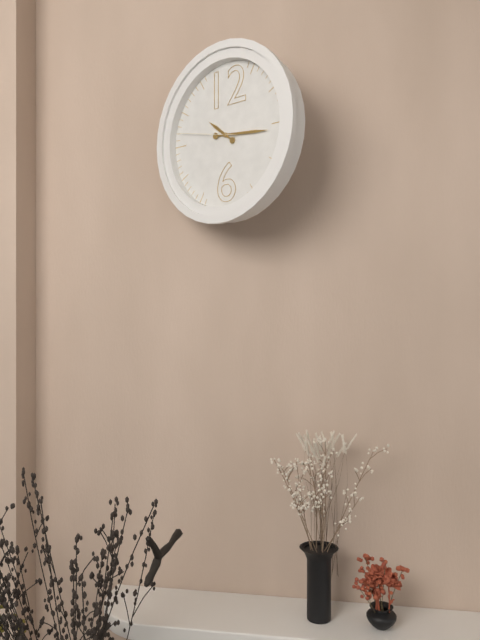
10:16:47
